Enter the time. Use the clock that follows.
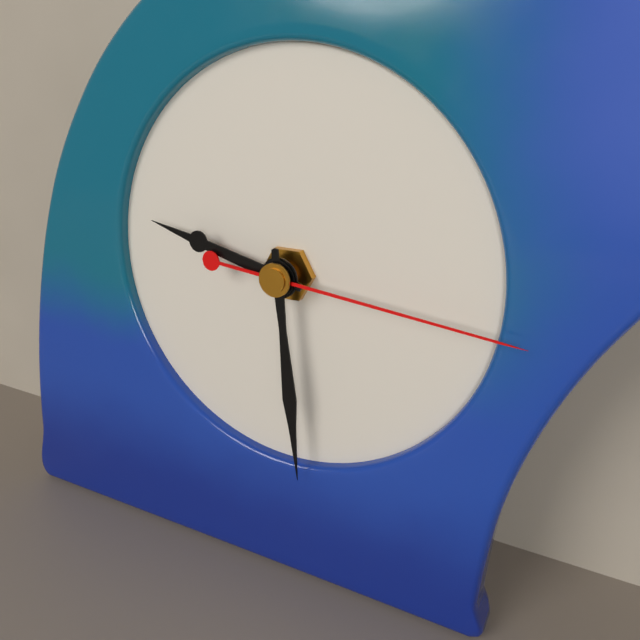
9:29:16
